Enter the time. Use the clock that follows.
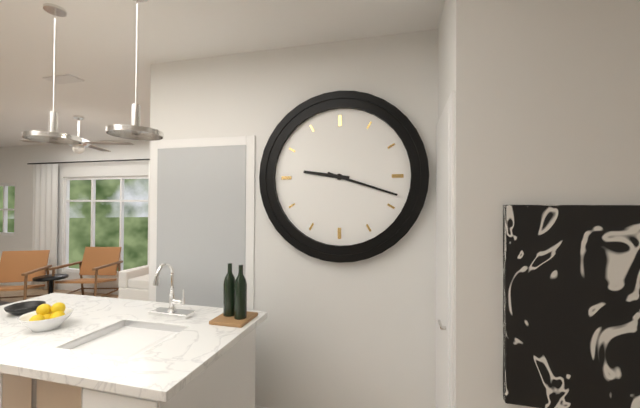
9:18
